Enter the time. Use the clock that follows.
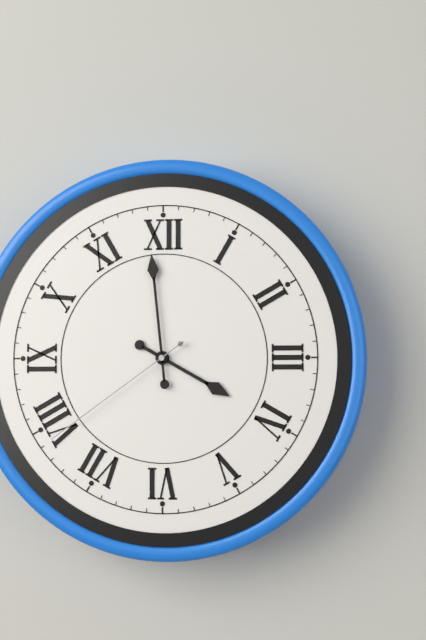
3:59:39
